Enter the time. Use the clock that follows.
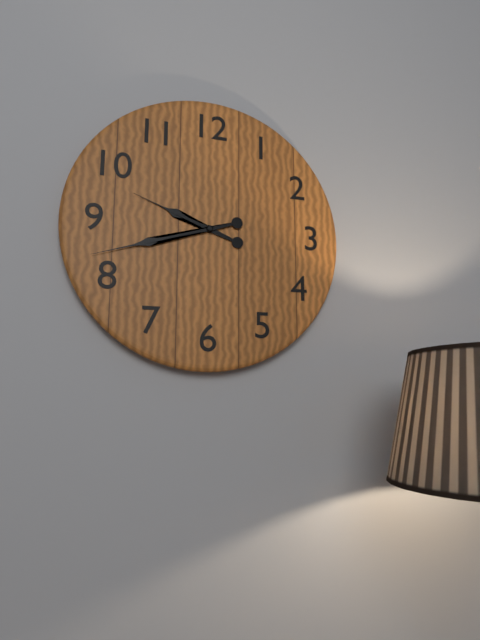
9:42
